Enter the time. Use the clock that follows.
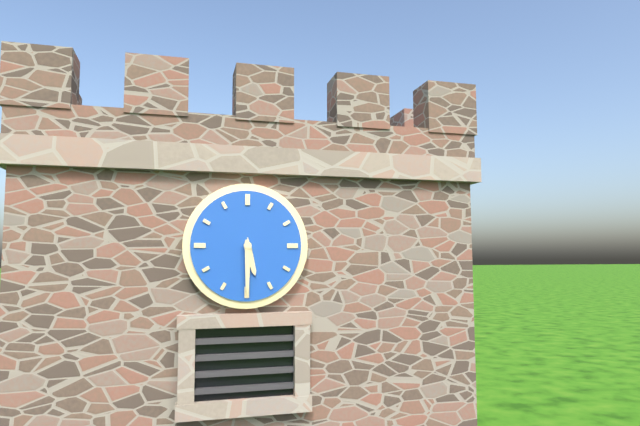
5:30
